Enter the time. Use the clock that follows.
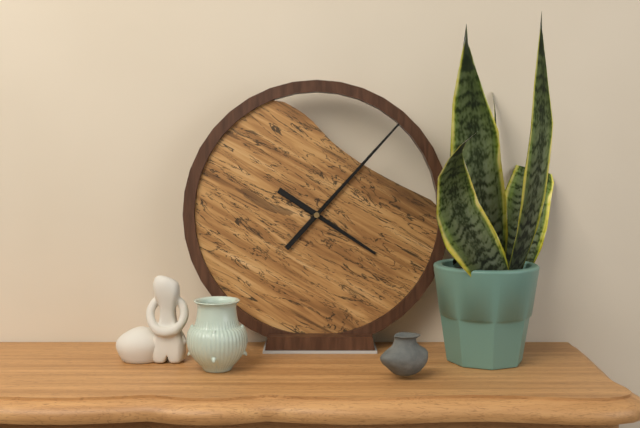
4:07
